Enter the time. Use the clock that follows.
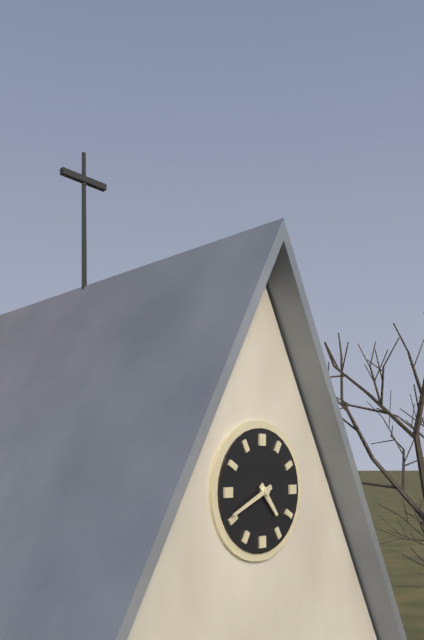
4:41
